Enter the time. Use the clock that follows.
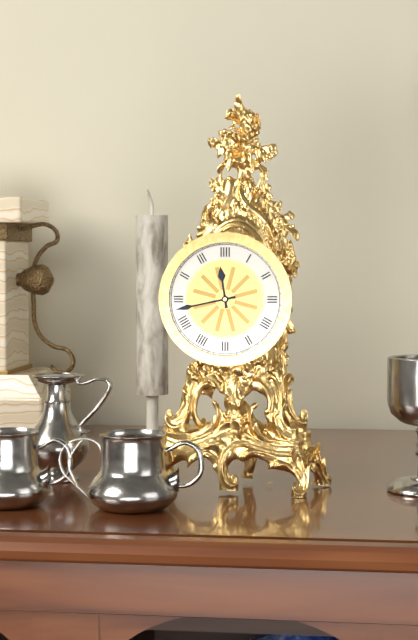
11:43
